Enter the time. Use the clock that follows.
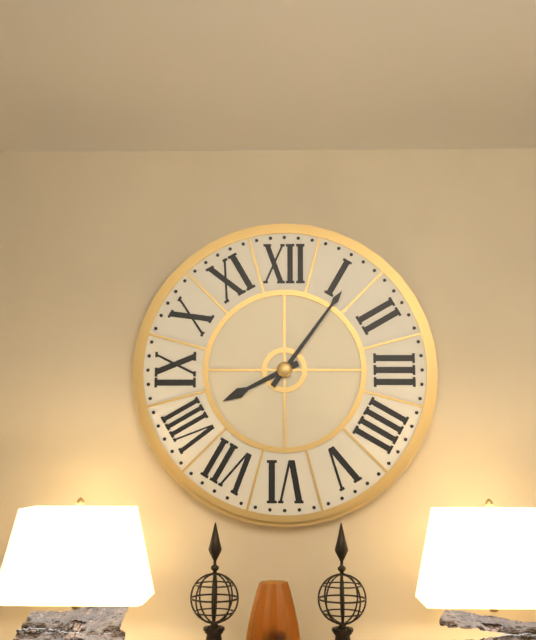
8:06
